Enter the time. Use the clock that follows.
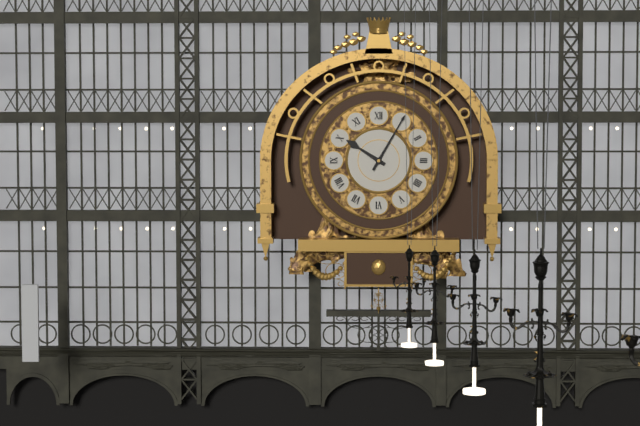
10:05
